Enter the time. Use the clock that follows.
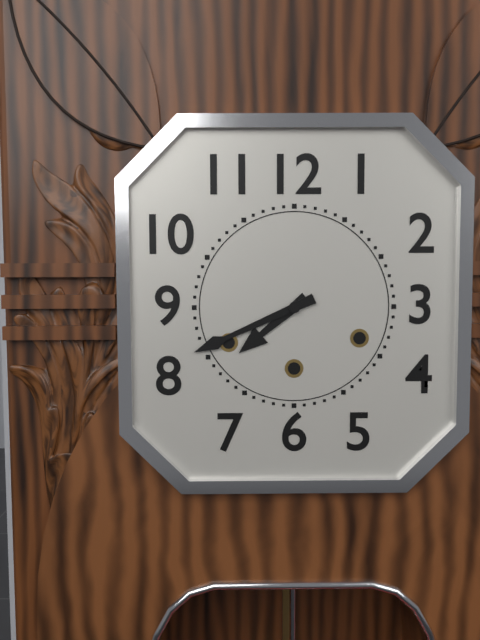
7:41
